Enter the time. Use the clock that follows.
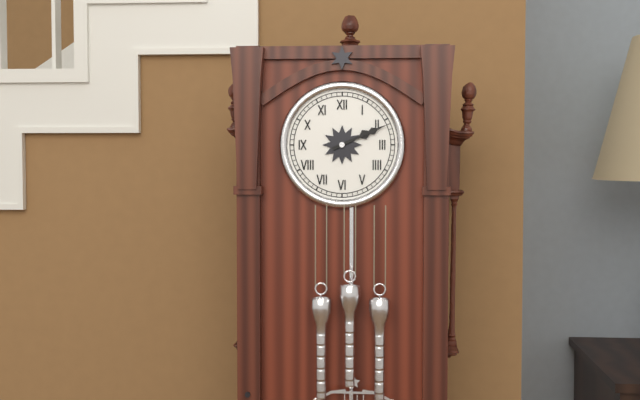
2:11
